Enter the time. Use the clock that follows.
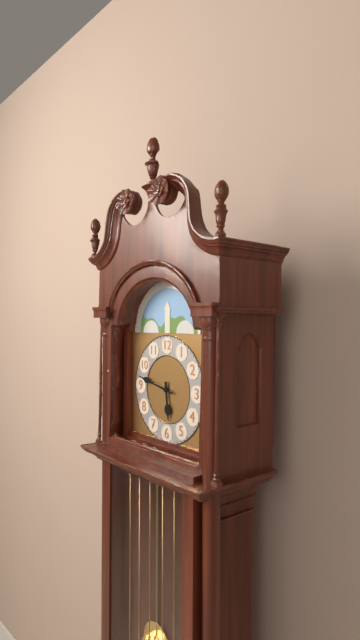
5:47
